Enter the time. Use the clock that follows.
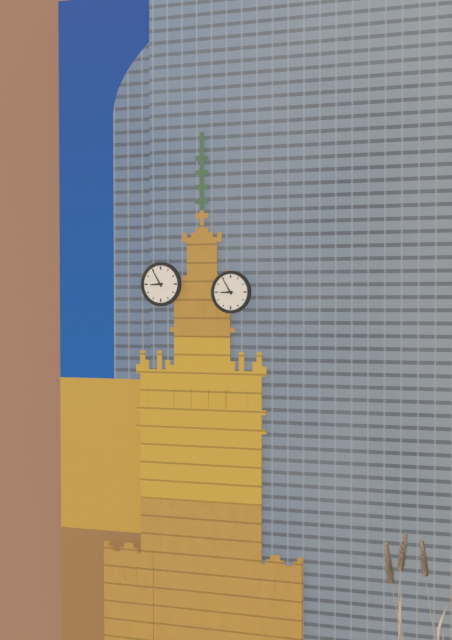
8:55
